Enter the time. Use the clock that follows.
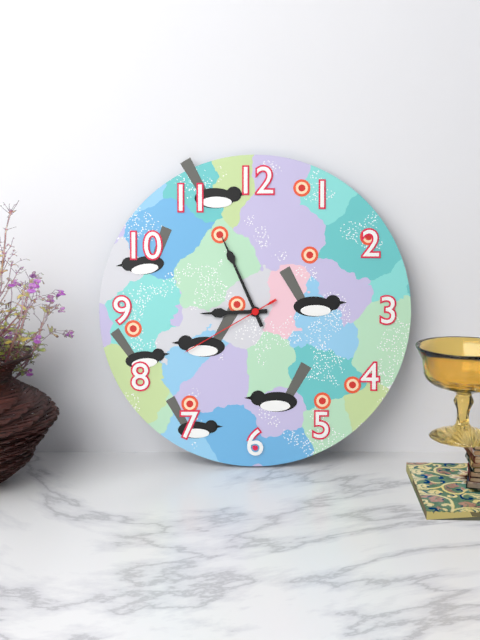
8:56:40
